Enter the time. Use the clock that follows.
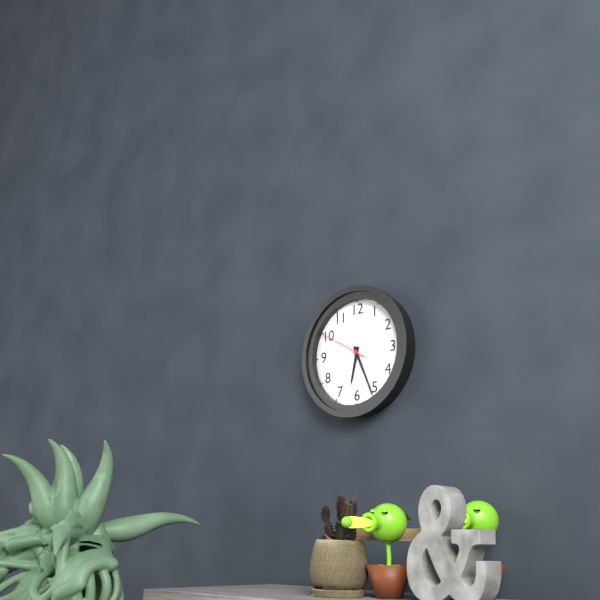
6:26
